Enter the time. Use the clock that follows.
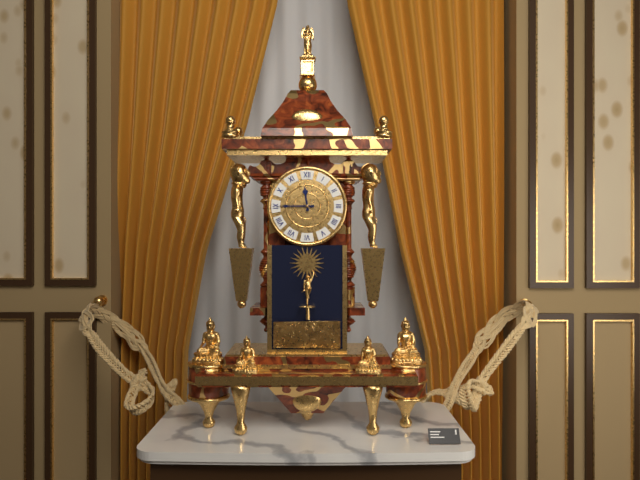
11:45
